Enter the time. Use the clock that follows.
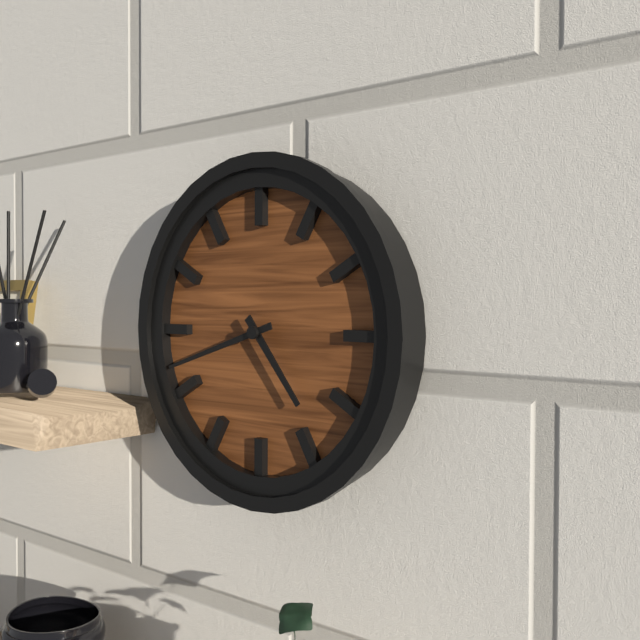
4:42
